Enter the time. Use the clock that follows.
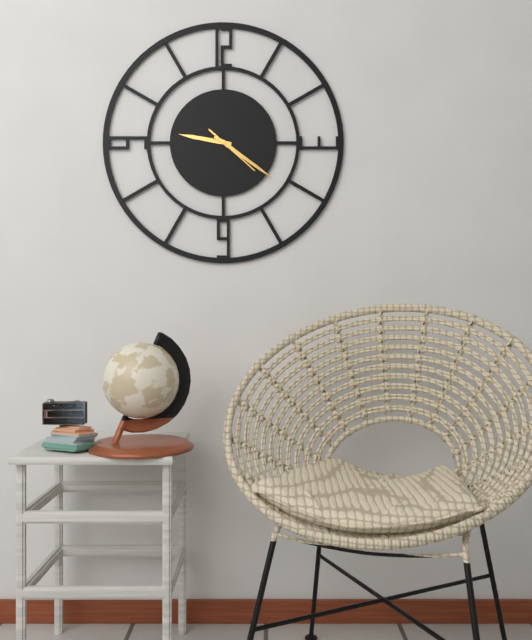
9:21:22
